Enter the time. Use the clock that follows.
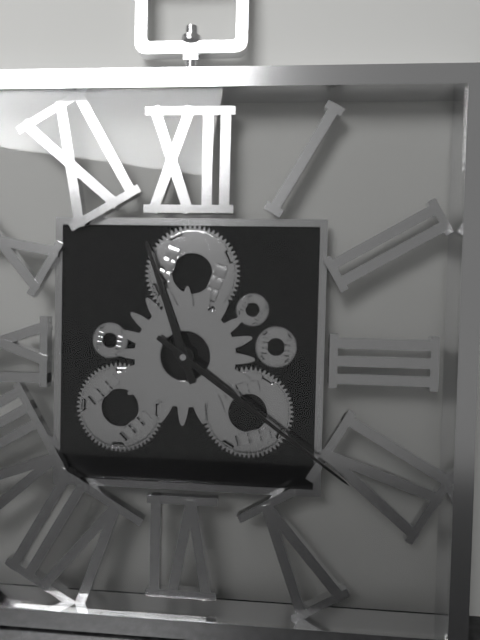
11:21
